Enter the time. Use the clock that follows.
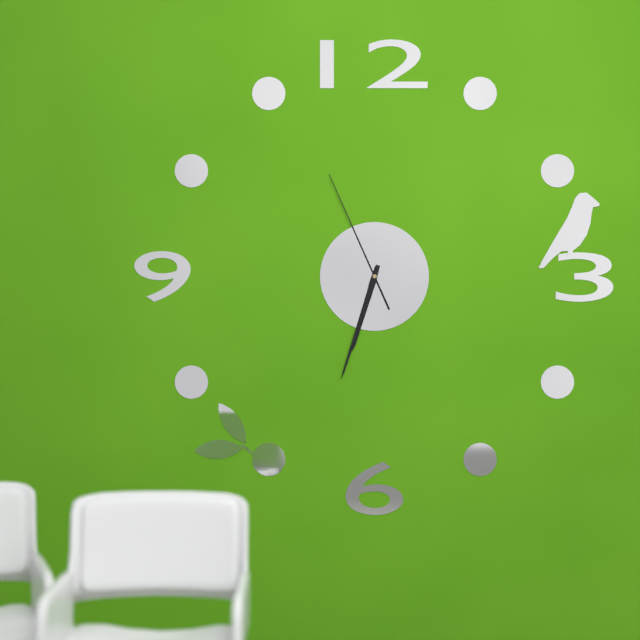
6:33:56
